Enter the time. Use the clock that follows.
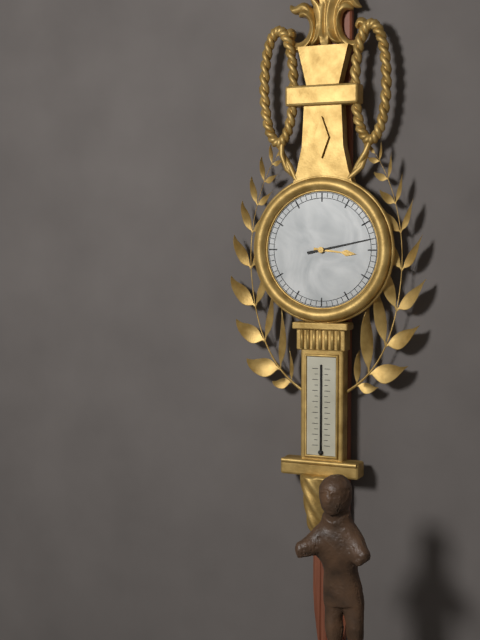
3:13
